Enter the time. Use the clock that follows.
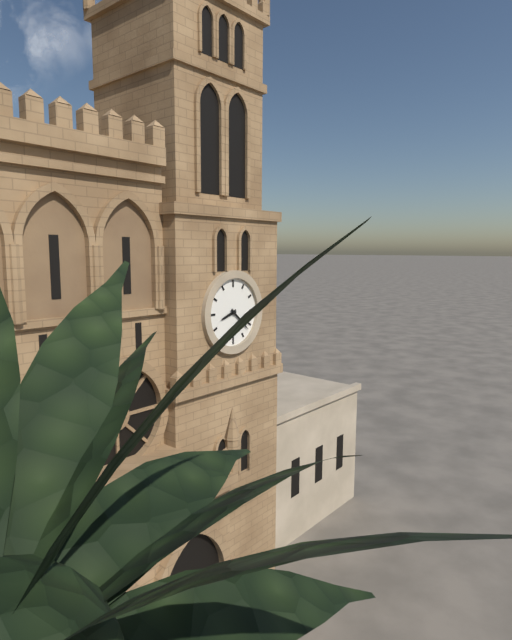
8:22
